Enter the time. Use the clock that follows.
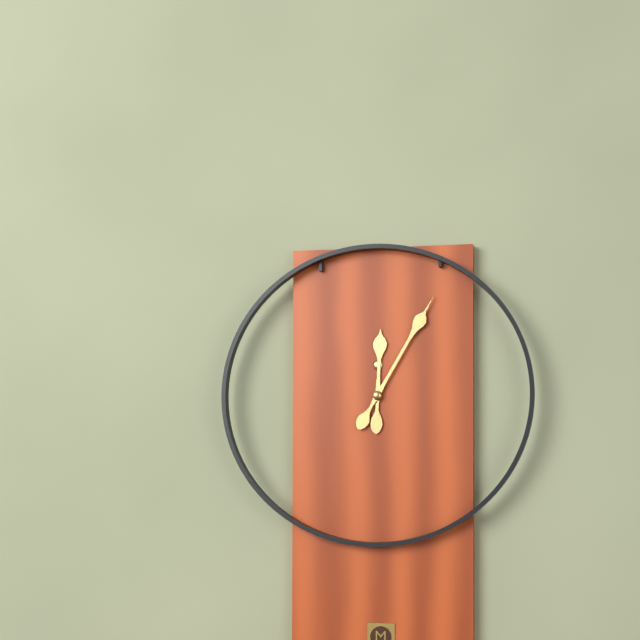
12:05
